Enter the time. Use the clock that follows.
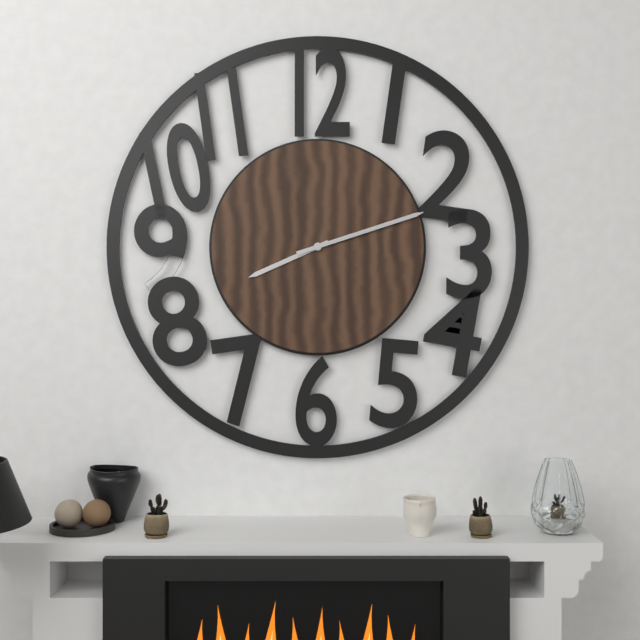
8:12
